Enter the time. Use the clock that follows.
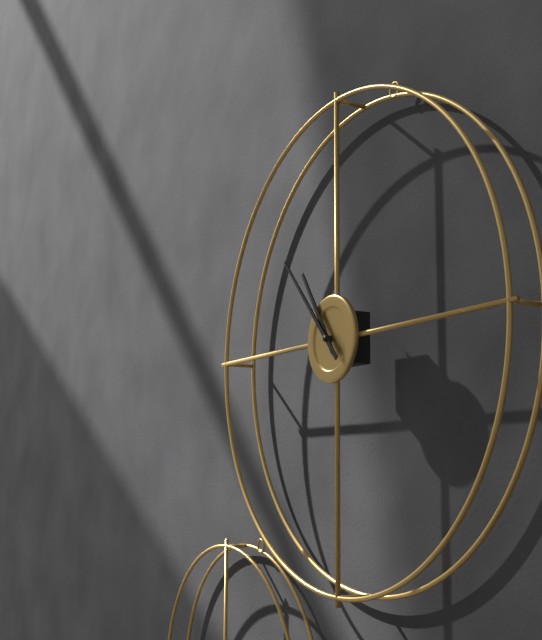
10:53
